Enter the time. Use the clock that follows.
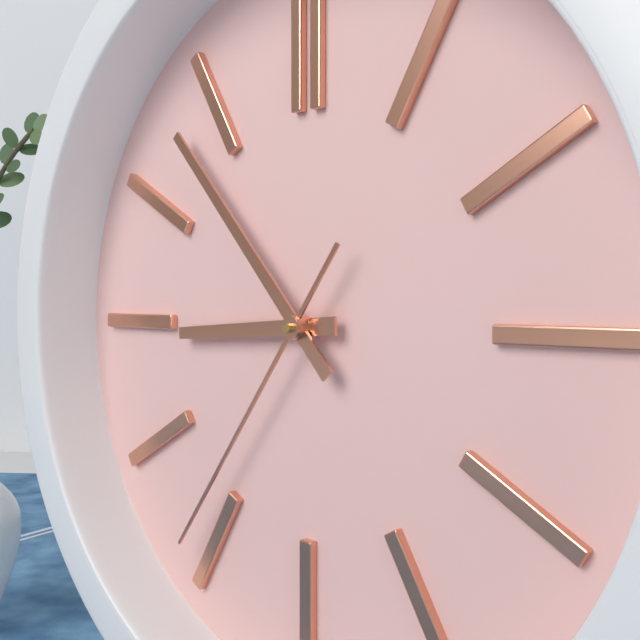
8:53:36
